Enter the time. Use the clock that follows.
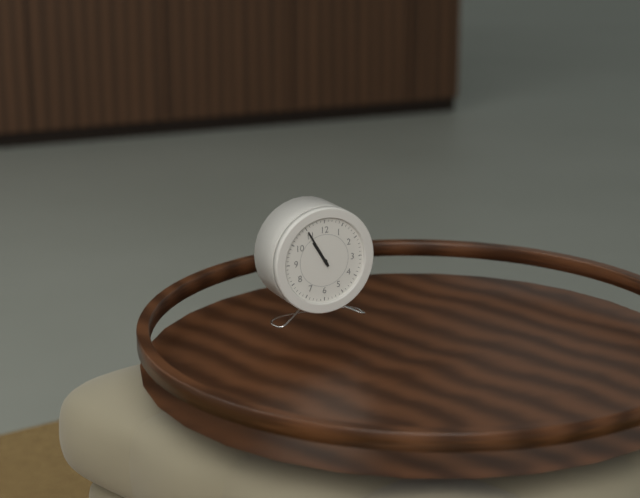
10:55
